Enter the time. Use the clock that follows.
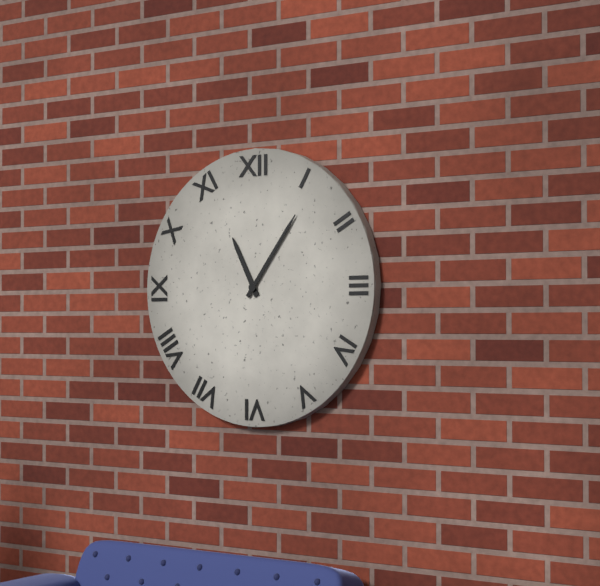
11:06
